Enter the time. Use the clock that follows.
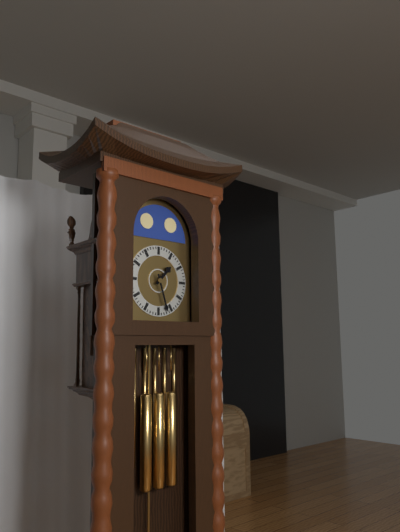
1:27
